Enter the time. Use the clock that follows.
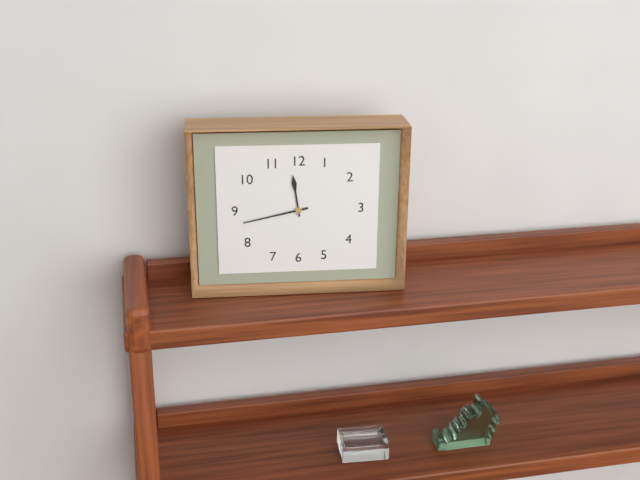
11:43
